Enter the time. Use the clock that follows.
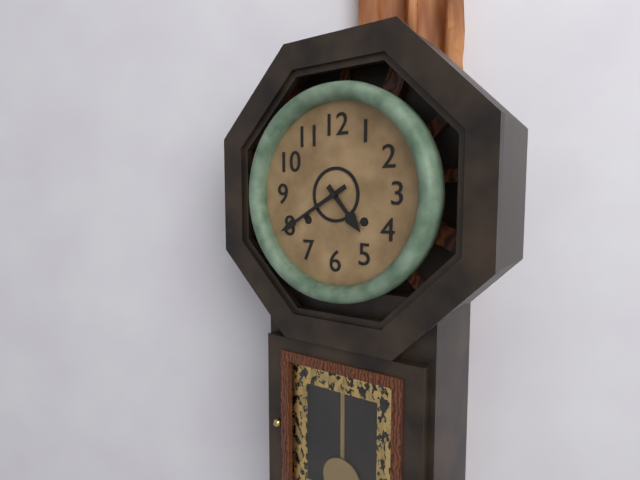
4:40
